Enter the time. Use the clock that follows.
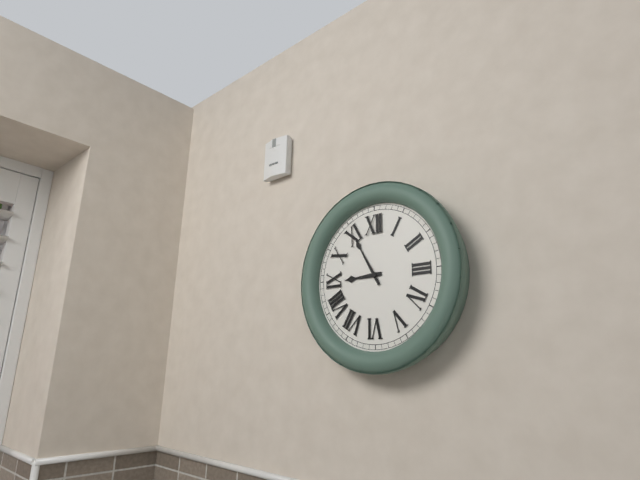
8:55
